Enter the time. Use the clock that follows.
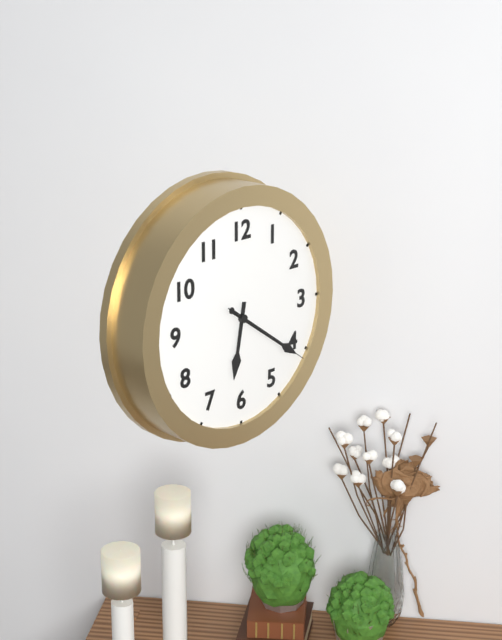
6:21:21
